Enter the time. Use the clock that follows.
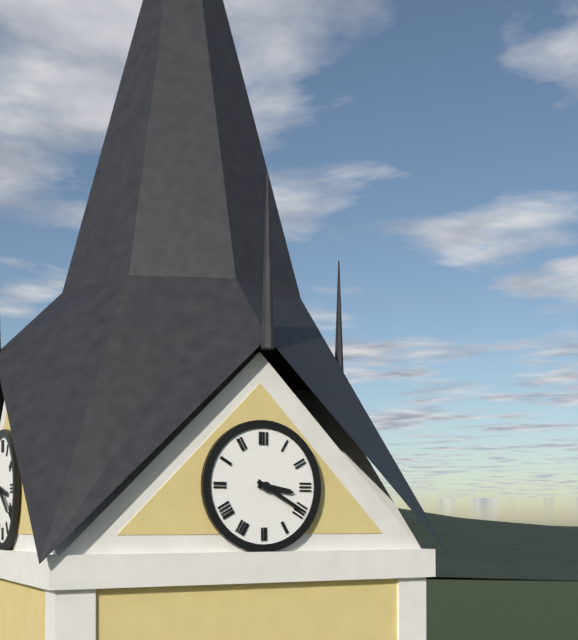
3:20
